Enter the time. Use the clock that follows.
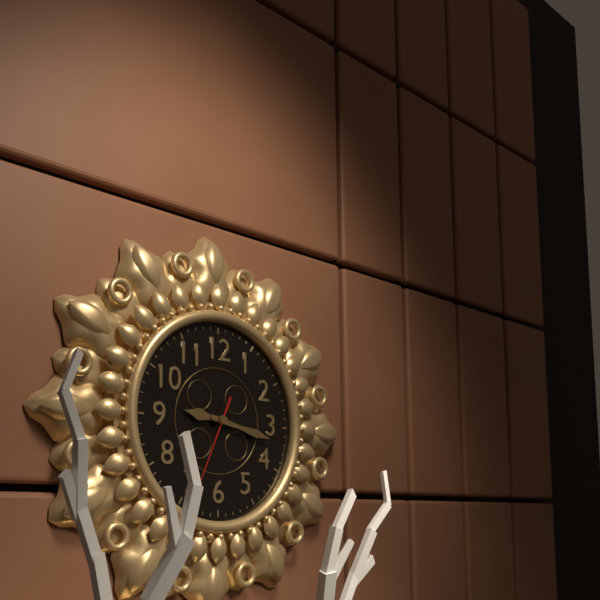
9:17:34
